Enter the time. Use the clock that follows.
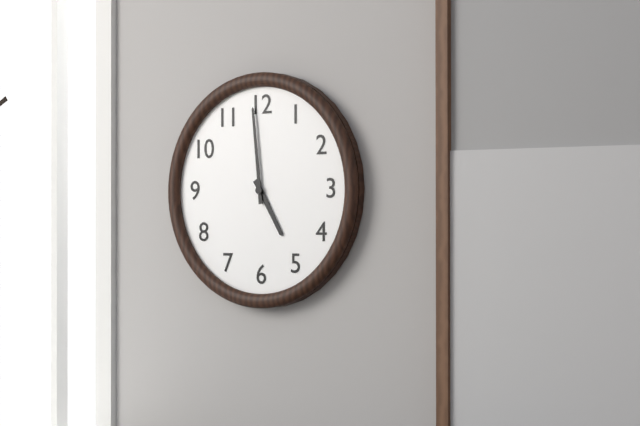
4:59
